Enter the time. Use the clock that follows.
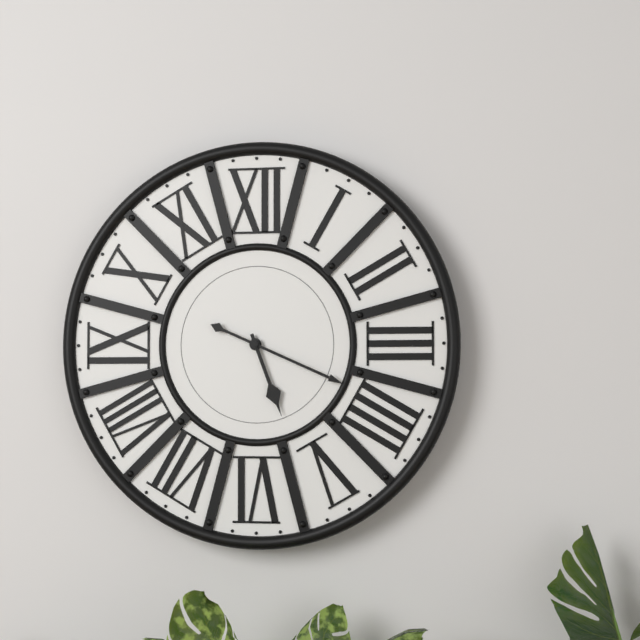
5:19
